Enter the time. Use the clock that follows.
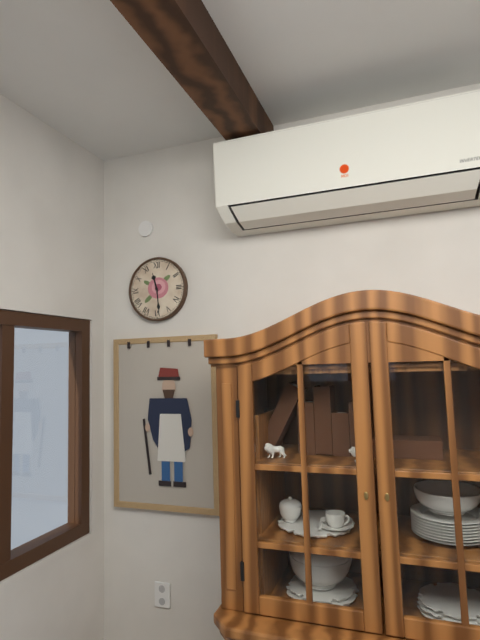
11:29
